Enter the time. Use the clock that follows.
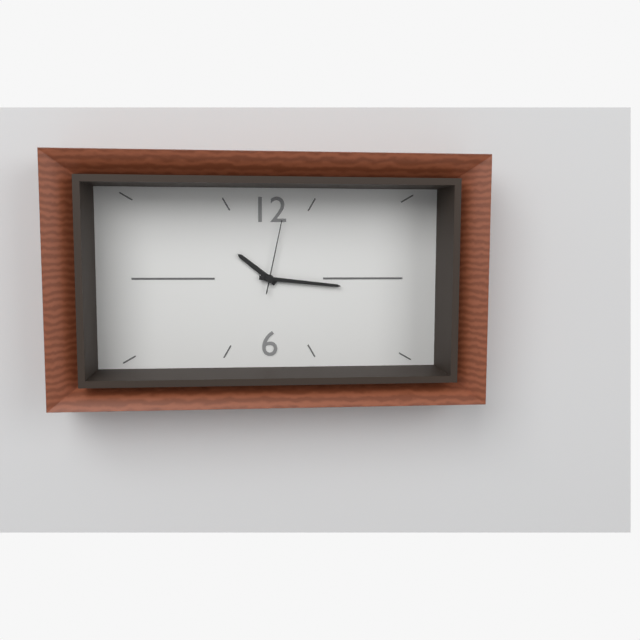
10:16:02
